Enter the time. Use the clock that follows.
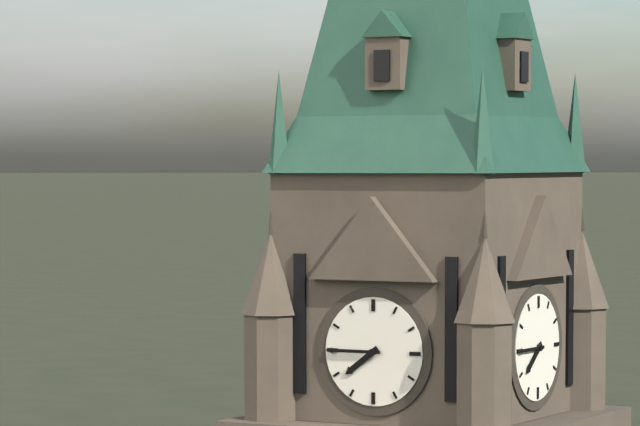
7:45
